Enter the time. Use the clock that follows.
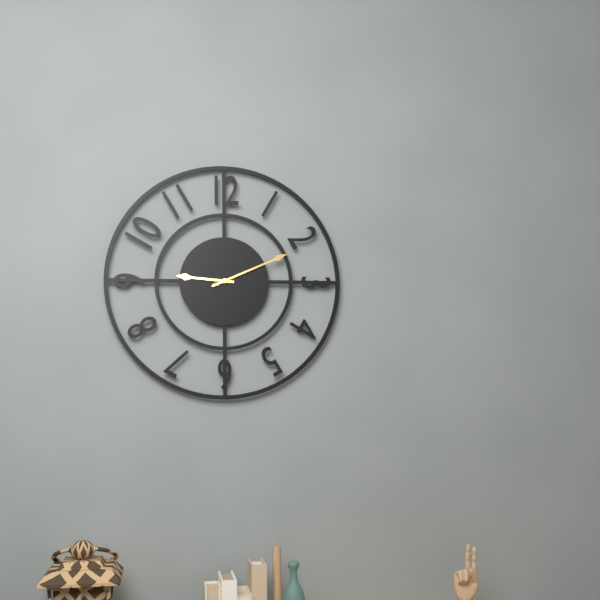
9:11
